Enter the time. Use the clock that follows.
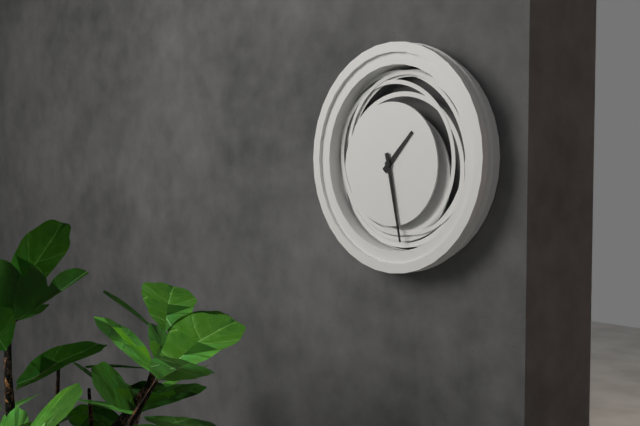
1:28
